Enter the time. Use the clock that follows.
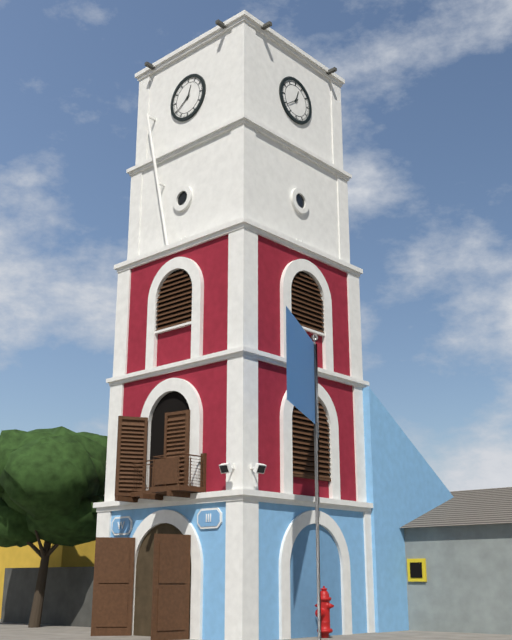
12:39
